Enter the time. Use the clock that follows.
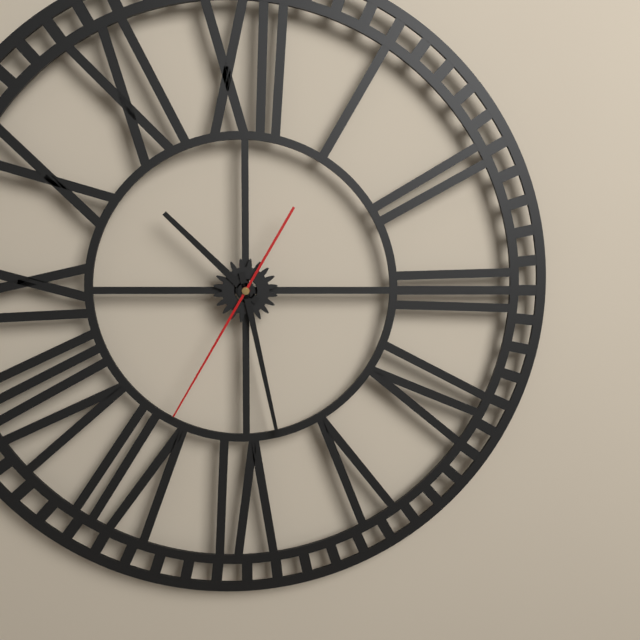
10:28:35
